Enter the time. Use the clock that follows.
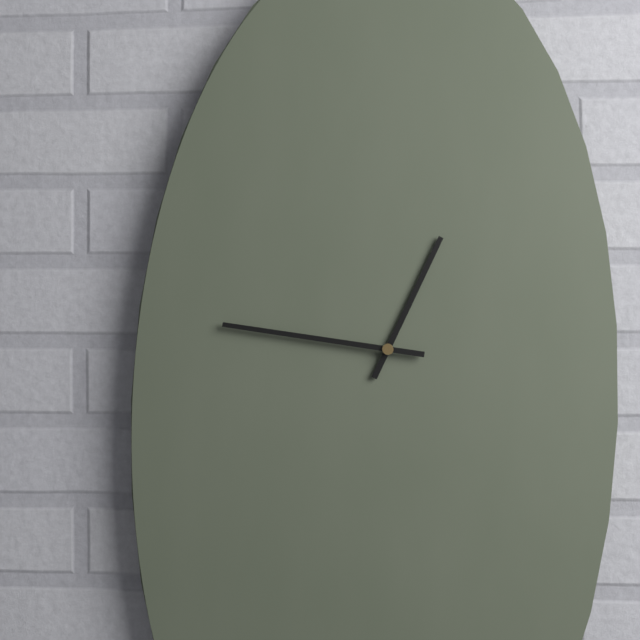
12:46
